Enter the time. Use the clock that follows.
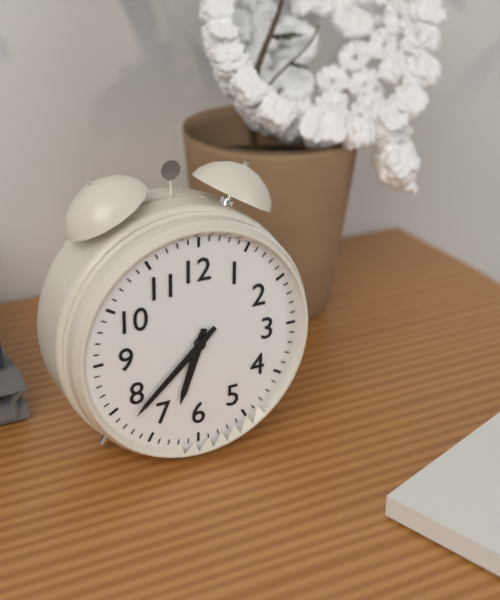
6:38
